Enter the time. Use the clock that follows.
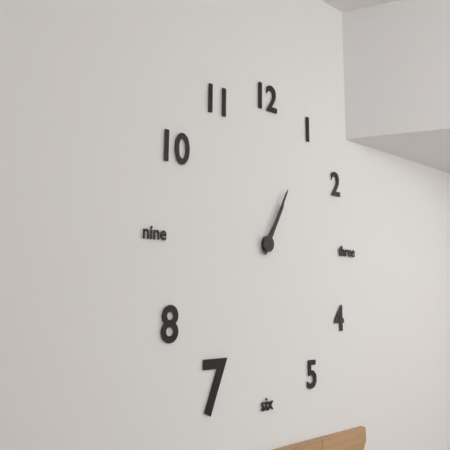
1:05
